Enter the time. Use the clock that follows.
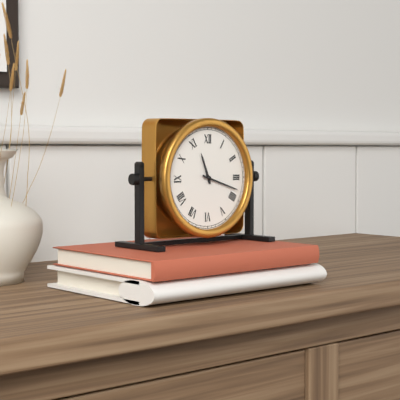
11:18
